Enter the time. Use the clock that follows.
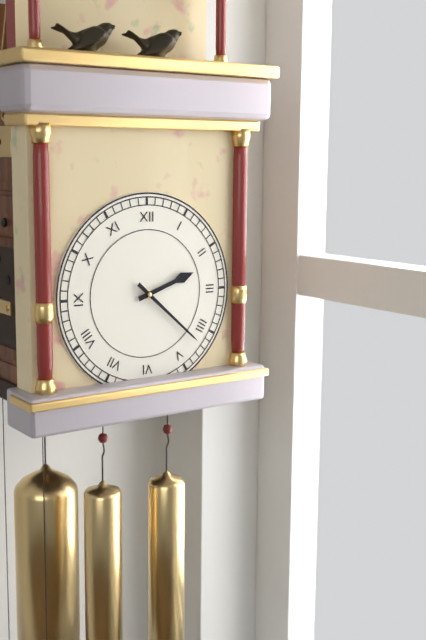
2:22
